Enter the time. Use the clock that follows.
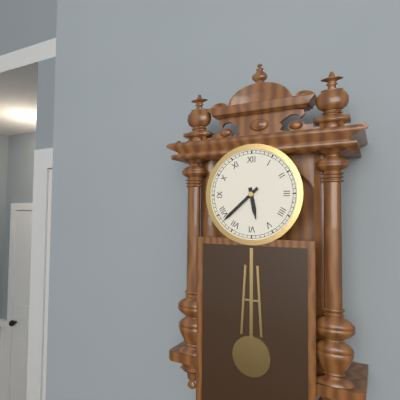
5:38
